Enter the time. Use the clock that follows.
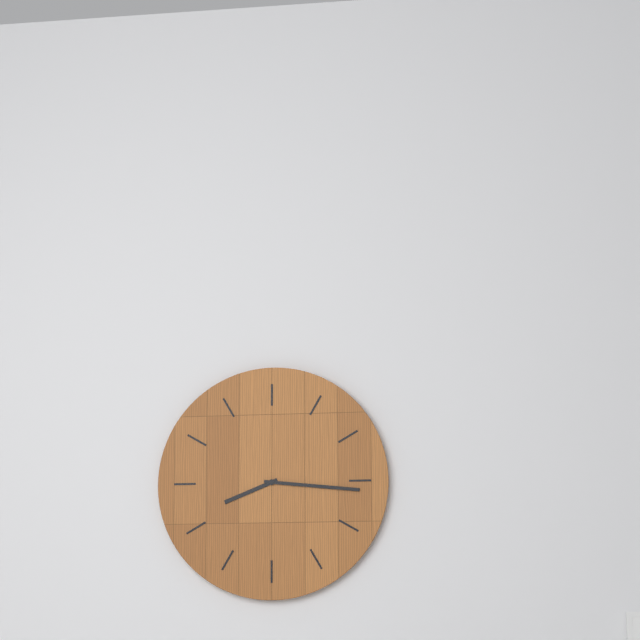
8:16
